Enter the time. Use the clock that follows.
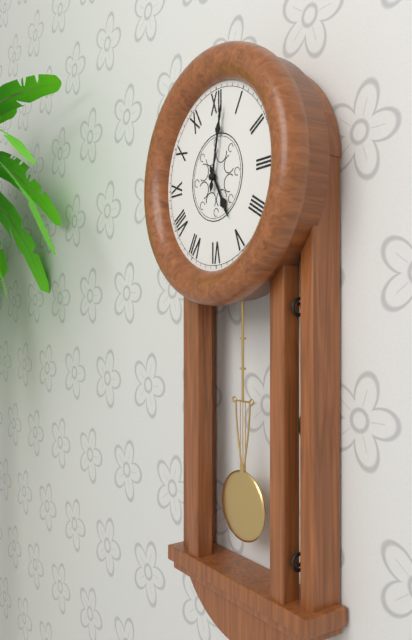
5:02
